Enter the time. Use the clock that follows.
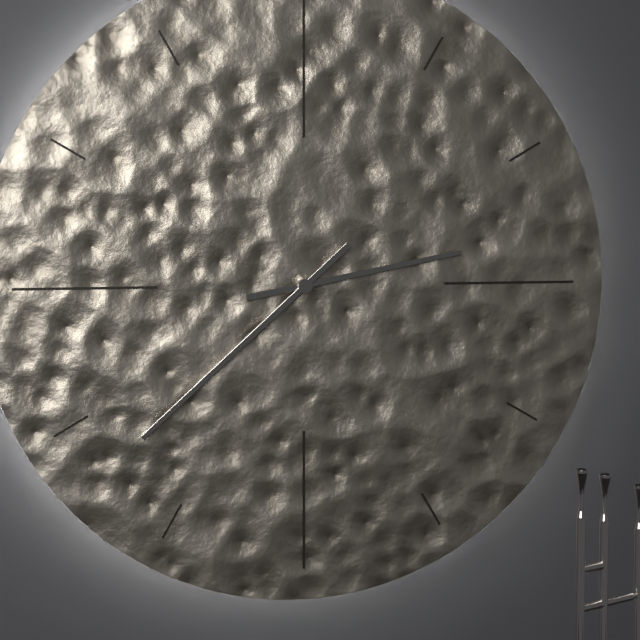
2:38
